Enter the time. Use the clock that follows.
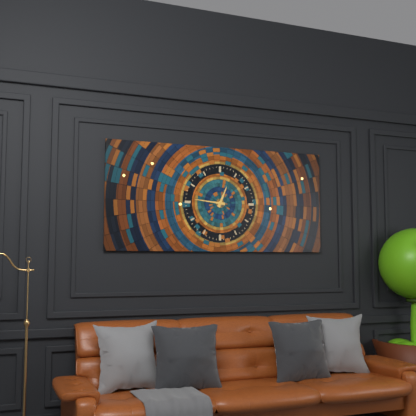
12:46
